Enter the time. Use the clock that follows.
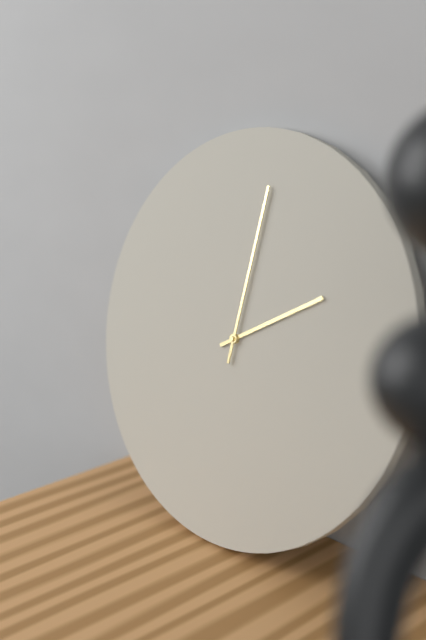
2:01
